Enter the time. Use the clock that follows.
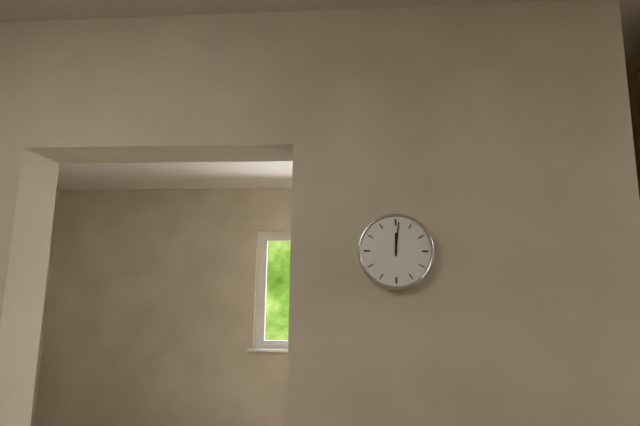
12:01
